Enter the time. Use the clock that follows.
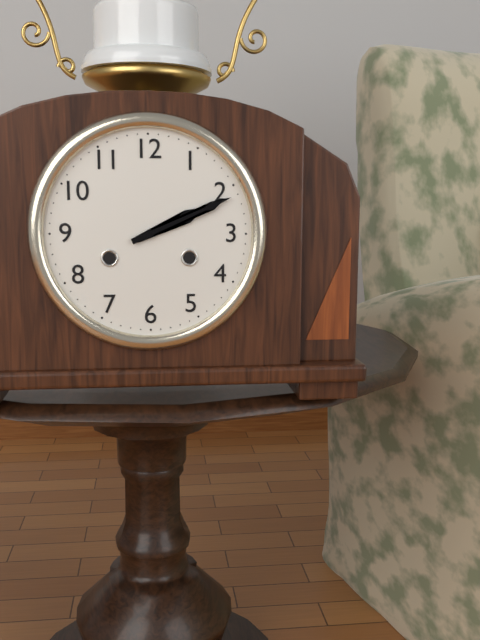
2:11
